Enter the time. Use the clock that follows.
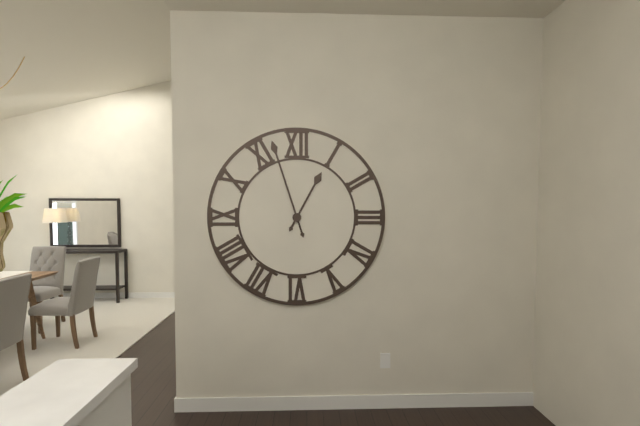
12:57
